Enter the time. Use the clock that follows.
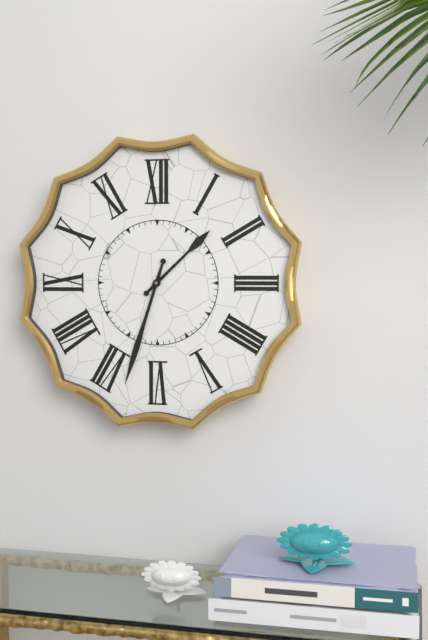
1:33
